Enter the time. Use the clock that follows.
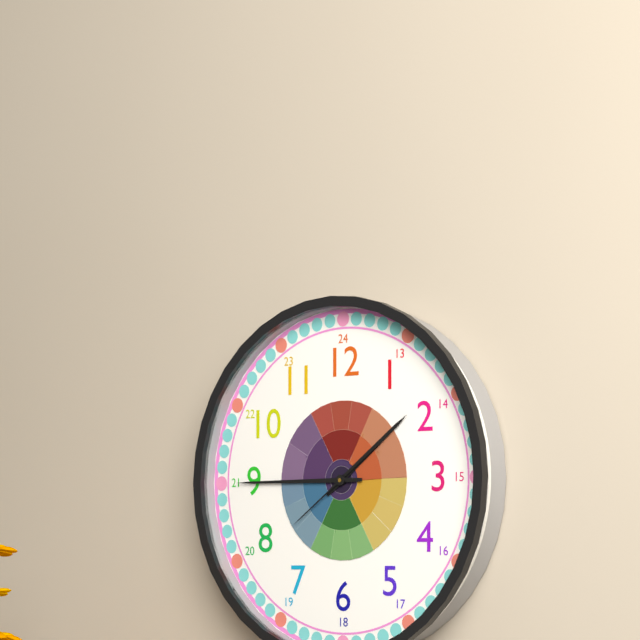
1:45:39
